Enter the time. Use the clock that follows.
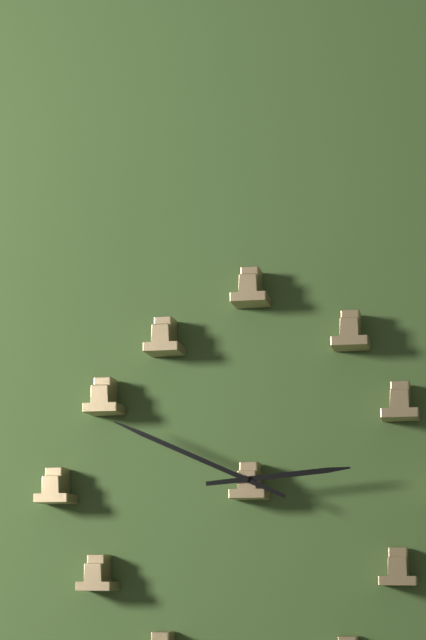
2:49
